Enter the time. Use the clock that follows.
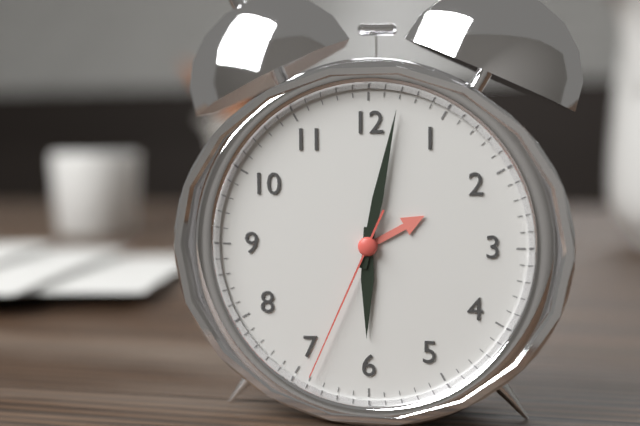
6:02:34
